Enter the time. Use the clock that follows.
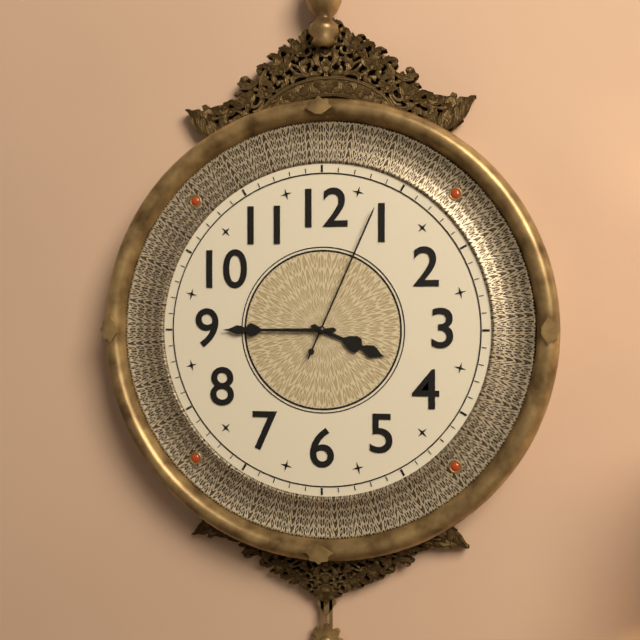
3:45:04
